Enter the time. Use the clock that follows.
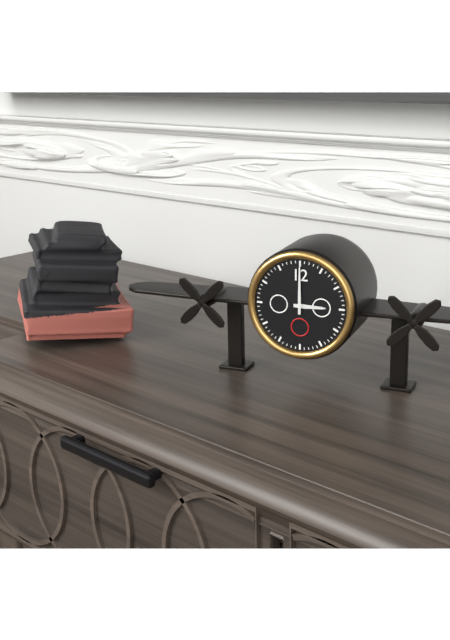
3:00
